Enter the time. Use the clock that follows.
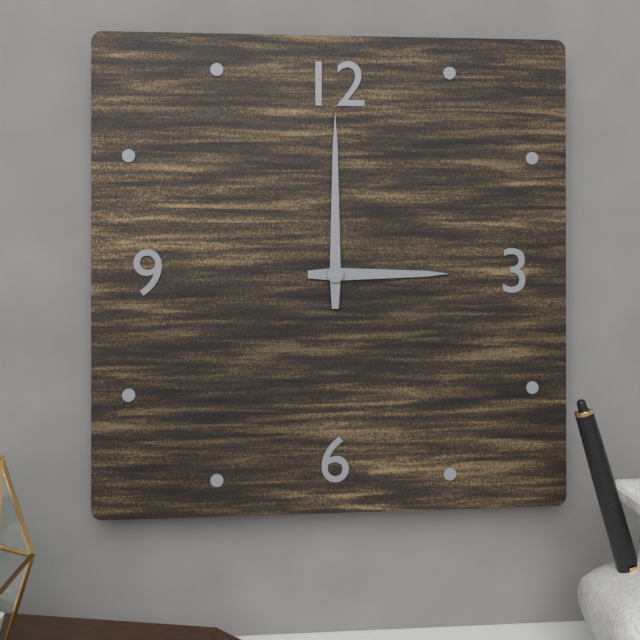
3:00
